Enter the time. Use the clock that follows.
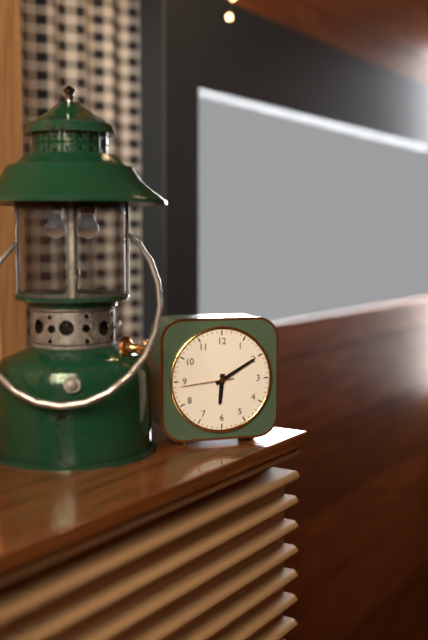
6:10
